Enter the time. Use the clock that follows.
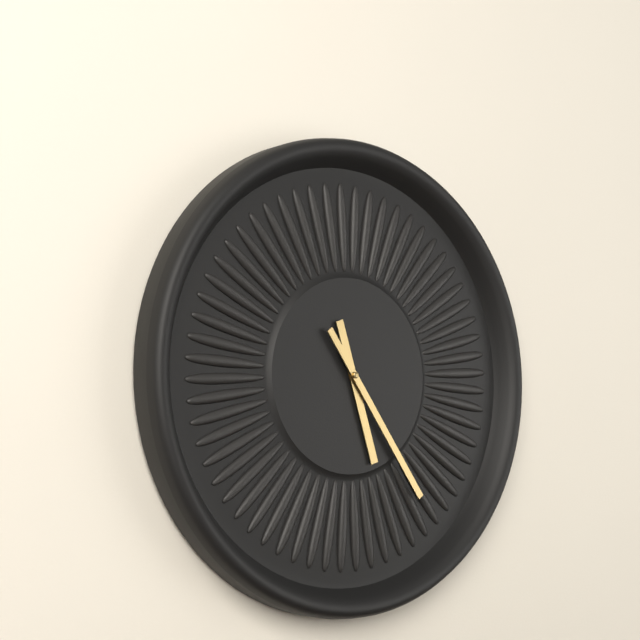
5:24
